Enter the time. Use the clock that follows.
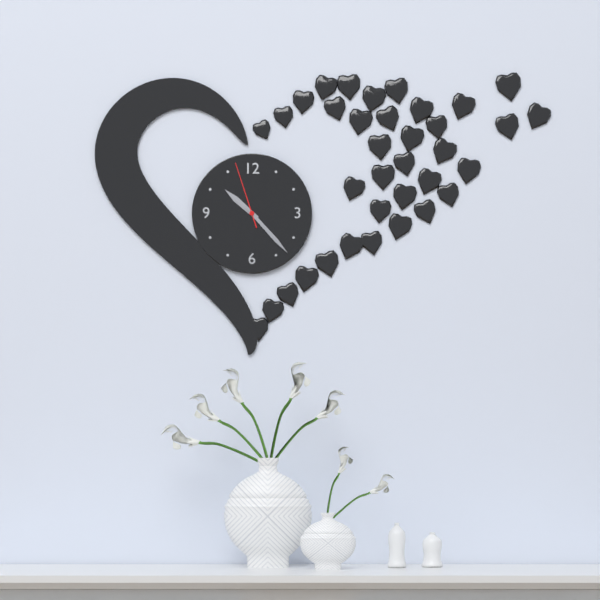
10:23:57
